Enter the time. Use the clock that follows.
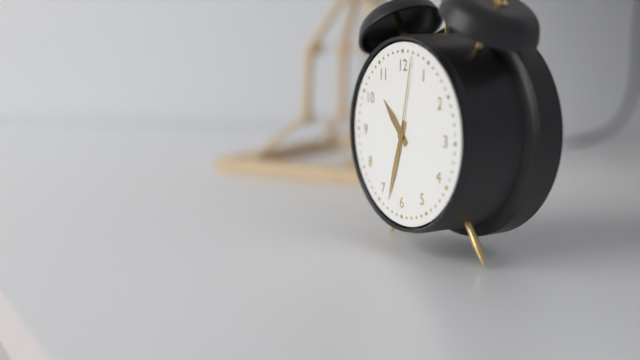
10:33:02
